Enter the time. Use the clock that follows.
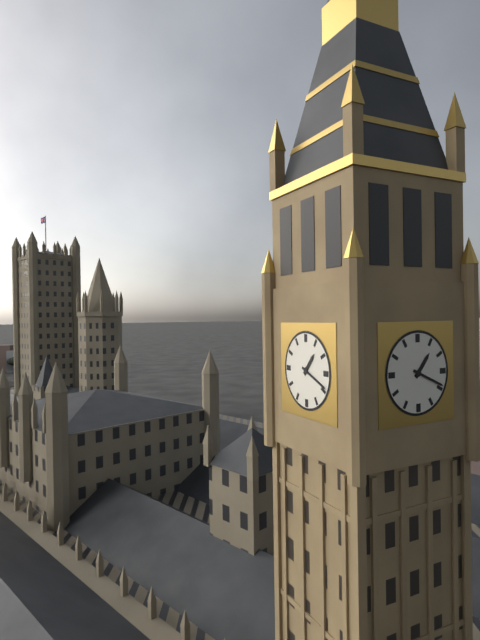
1:19
